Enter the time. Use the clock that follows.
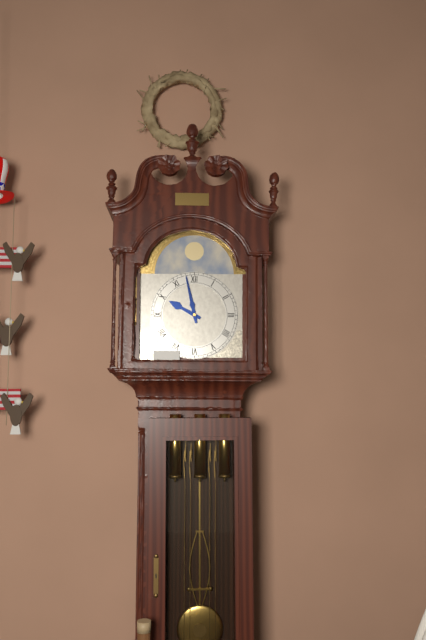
9:58
